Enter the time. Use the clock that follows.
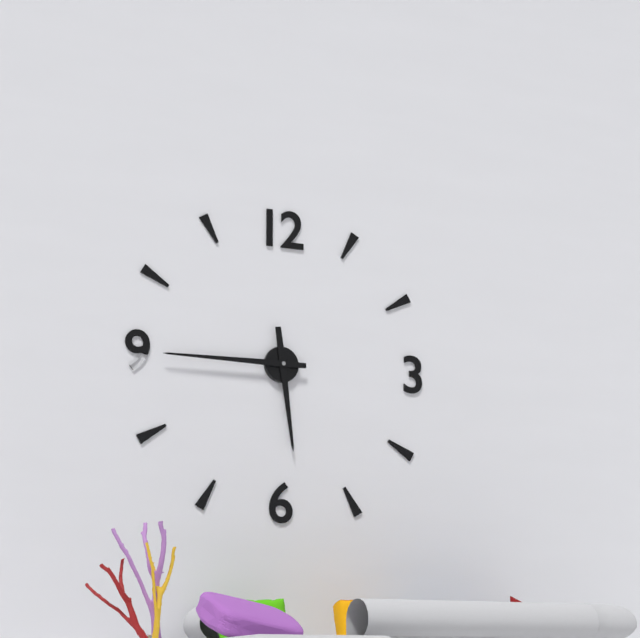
5:45
